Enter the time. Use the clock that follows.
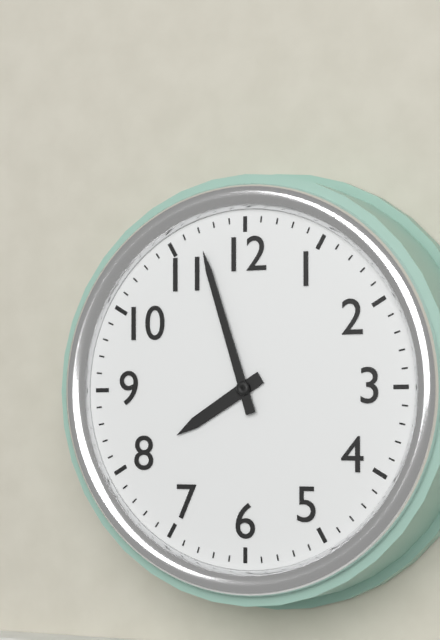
7:57
